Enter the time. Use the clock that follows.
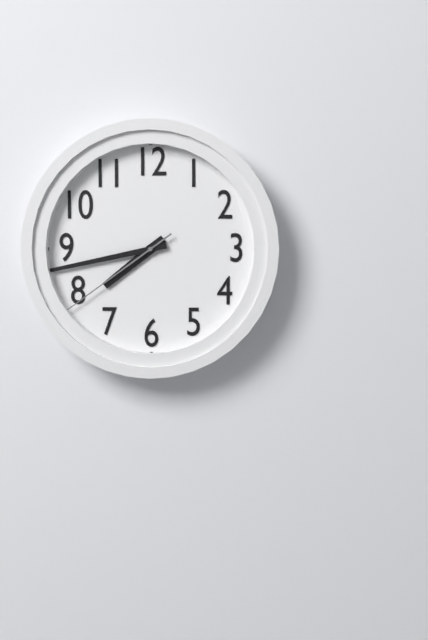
7:43:39
